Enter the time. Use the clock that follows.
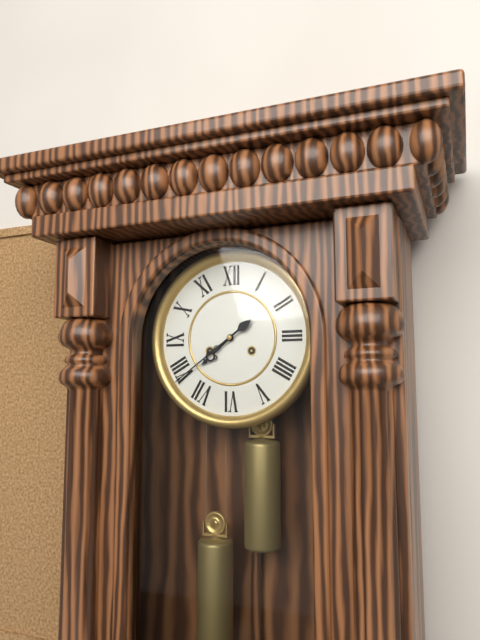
7:39
